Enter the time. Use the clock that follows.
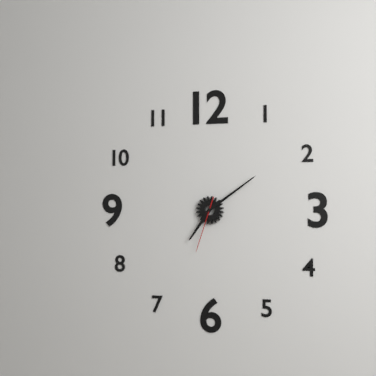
7:09:33
